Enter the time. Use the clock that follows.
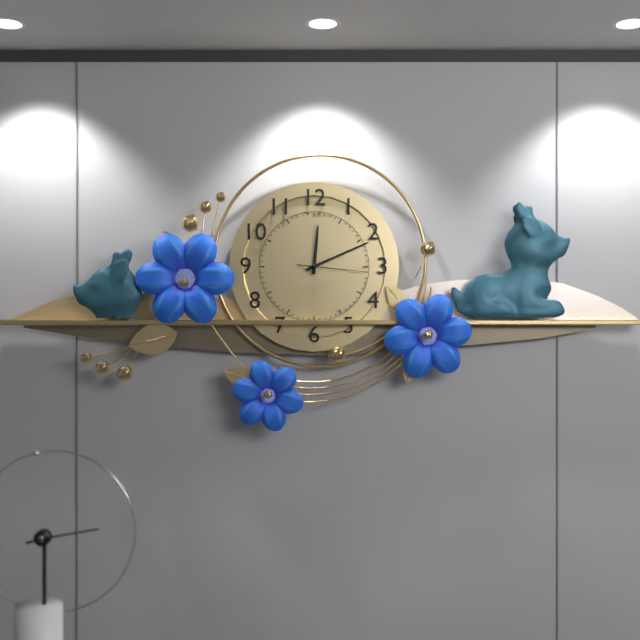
12:11:16
